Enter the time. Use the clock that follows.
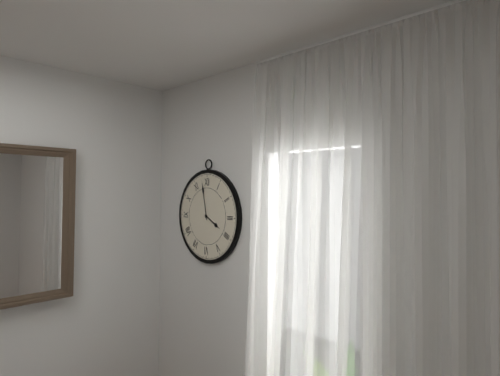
3:58
